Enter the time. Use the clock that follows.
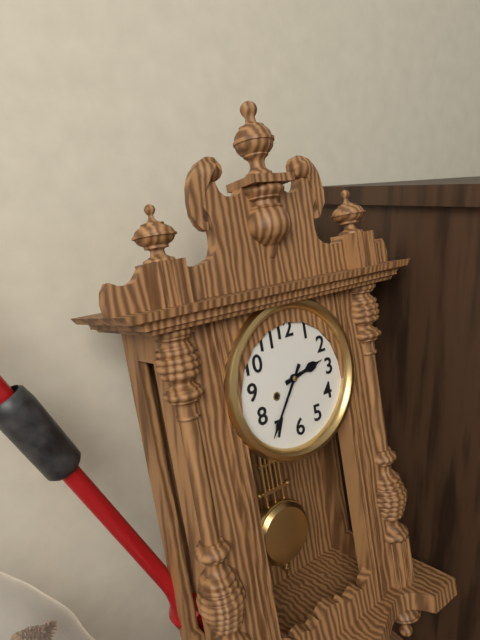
2:36
